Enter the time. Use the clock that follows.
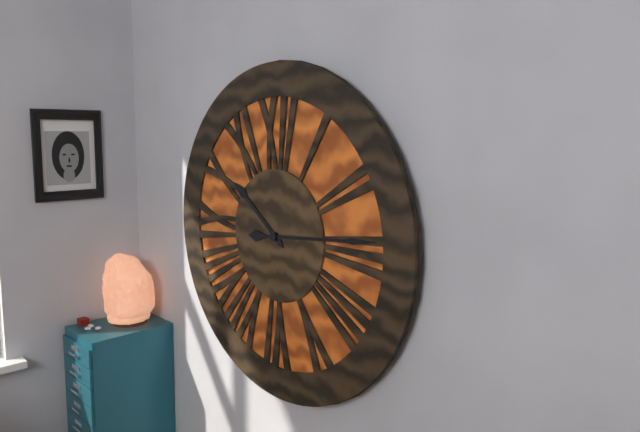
10:14
